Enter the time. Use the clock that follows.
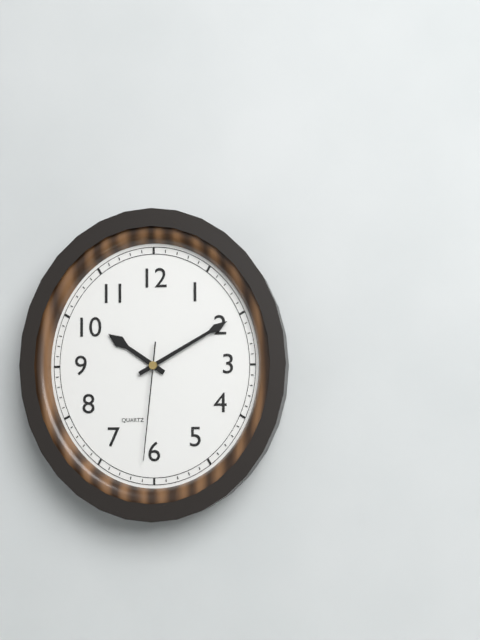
10:10:31
